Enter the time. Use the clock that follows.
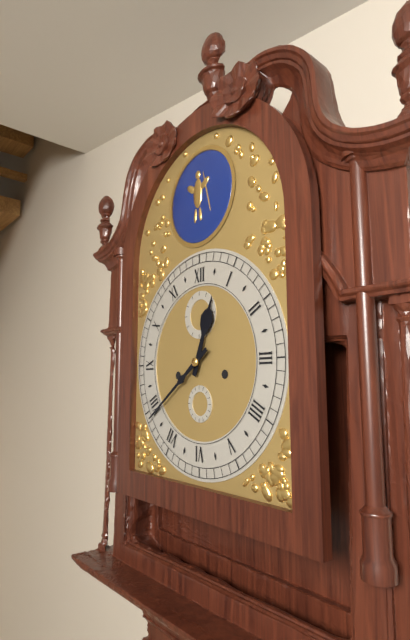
12:39
